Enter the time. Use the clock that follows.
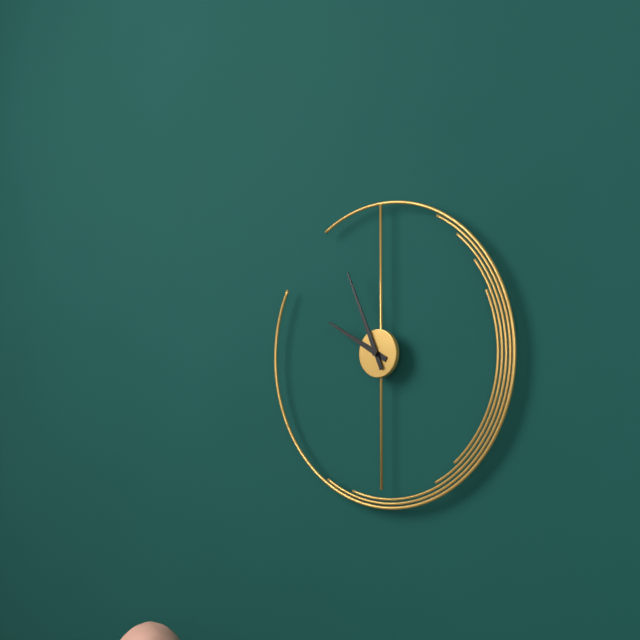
9:56
